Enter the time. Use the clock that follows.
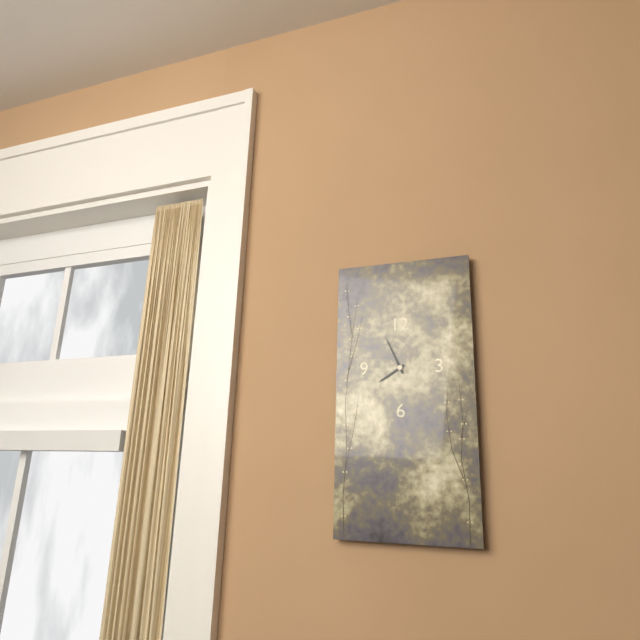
7:56
